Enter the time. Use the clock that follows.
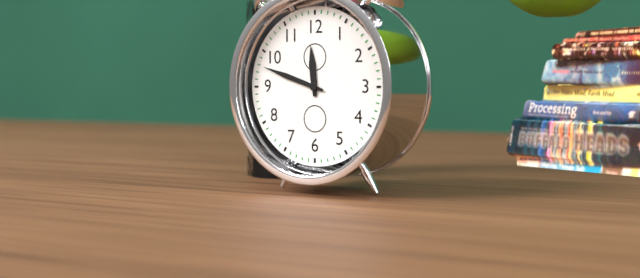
11:48
